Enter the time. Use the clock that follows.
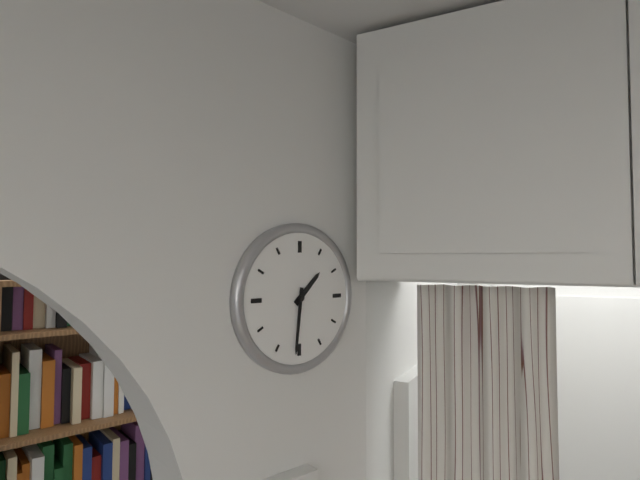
1:31
